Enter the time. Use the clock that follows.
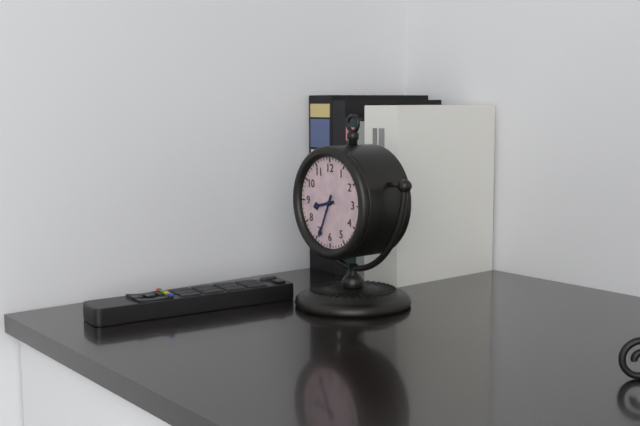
8:34
